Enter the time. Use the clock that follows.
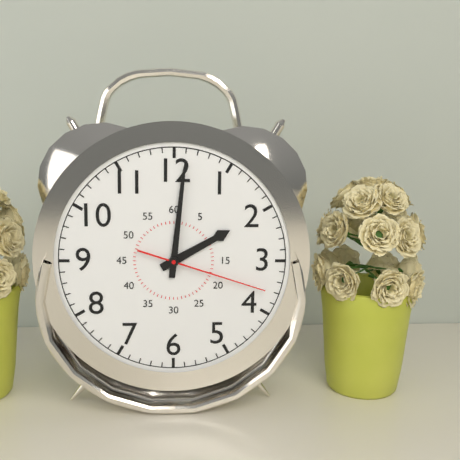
2:01:18
